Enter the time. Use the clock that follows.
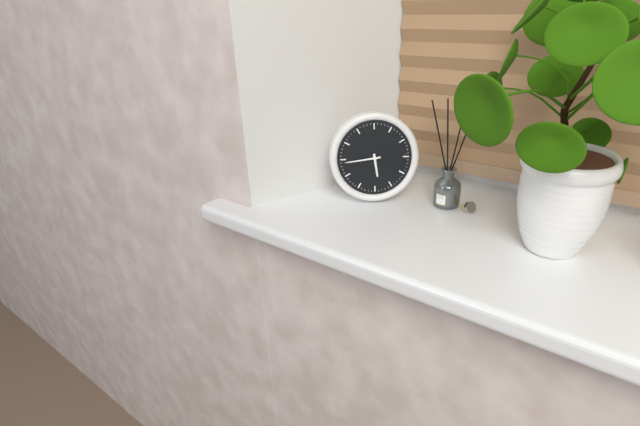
5:44
